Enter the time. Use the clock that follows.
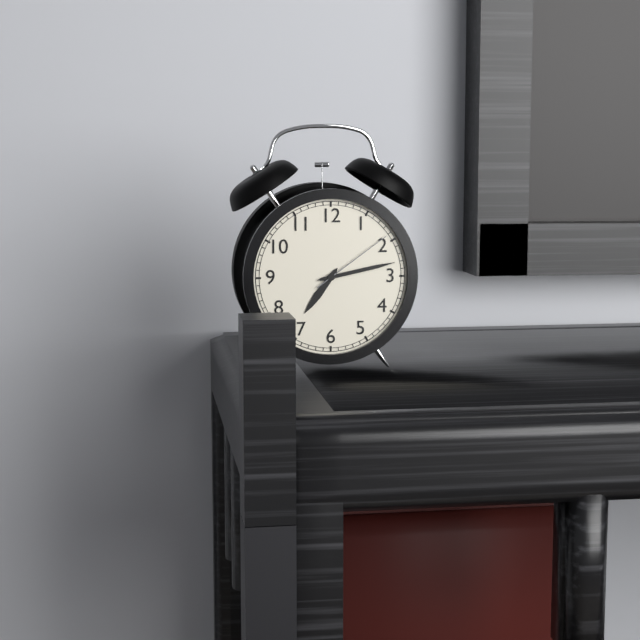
7:13:09
